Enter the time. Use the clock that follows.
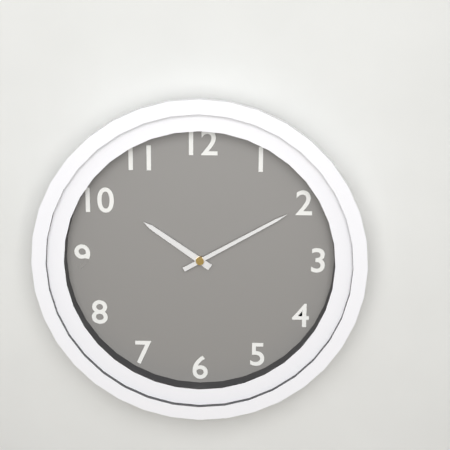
10:10
